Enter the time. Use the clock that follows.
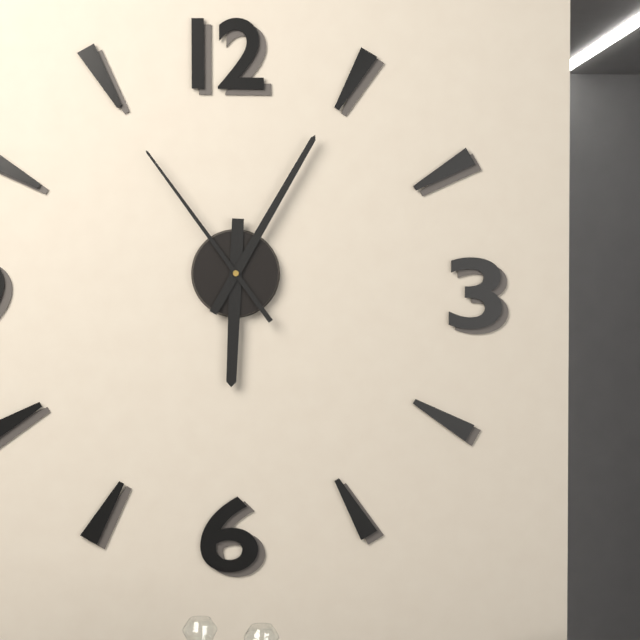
6:05:54
